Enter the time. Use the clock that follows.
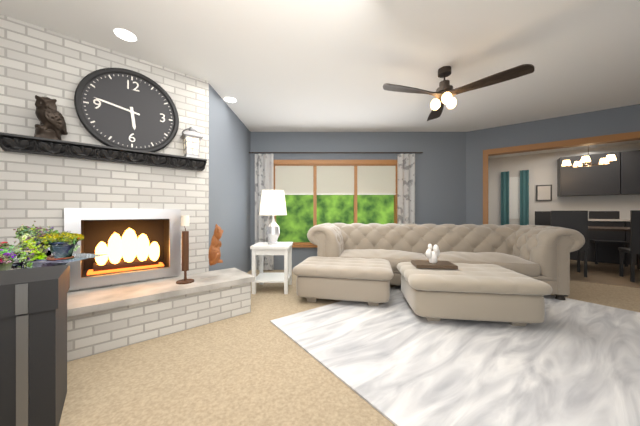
5:47
